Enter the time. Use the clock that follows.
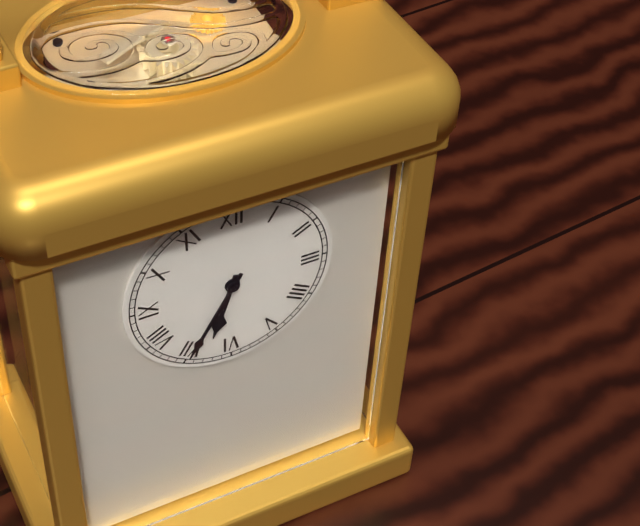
6:35
